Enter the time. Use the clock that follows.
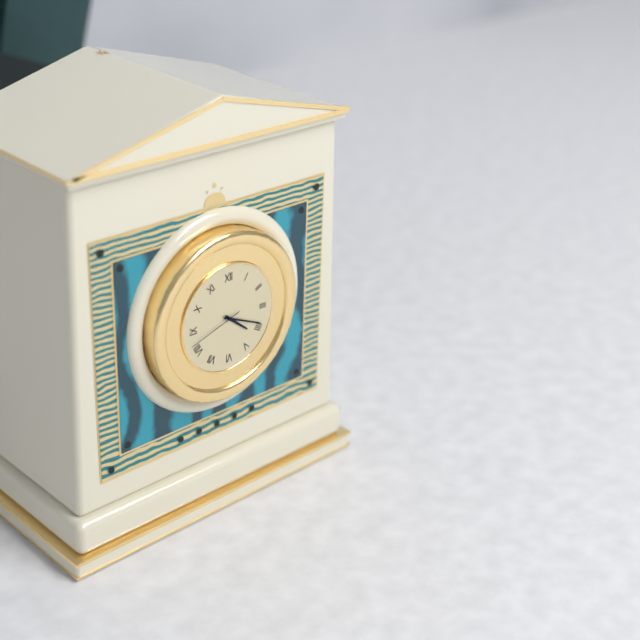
4:19:42
